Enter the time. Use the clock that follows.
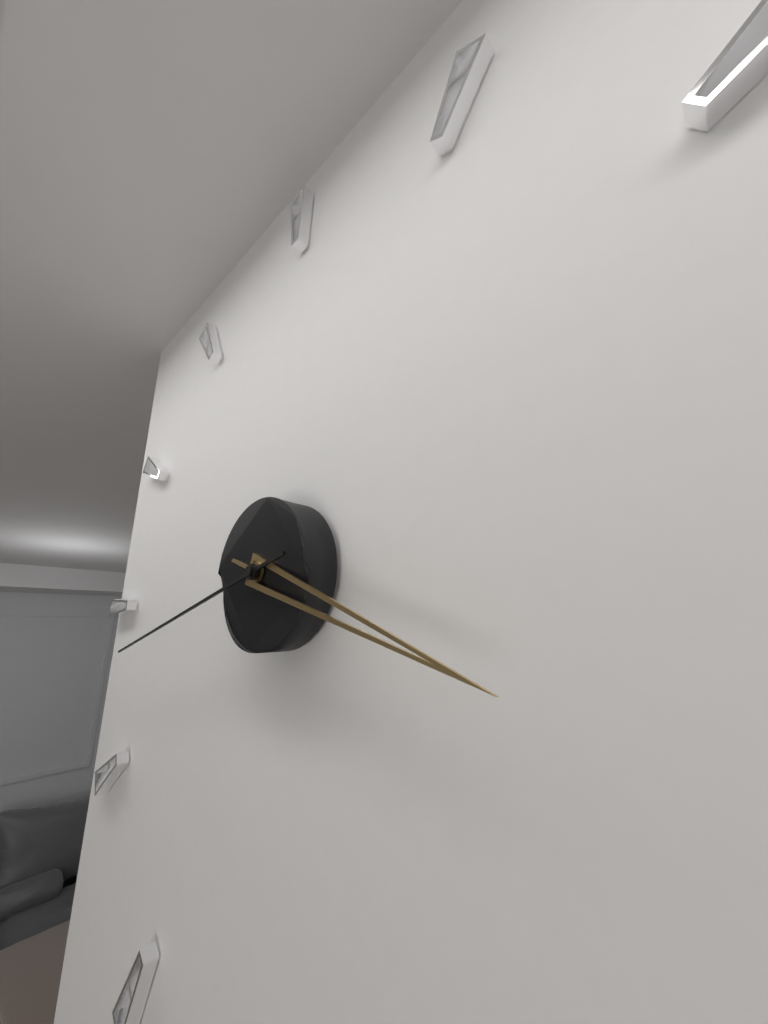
3:43
